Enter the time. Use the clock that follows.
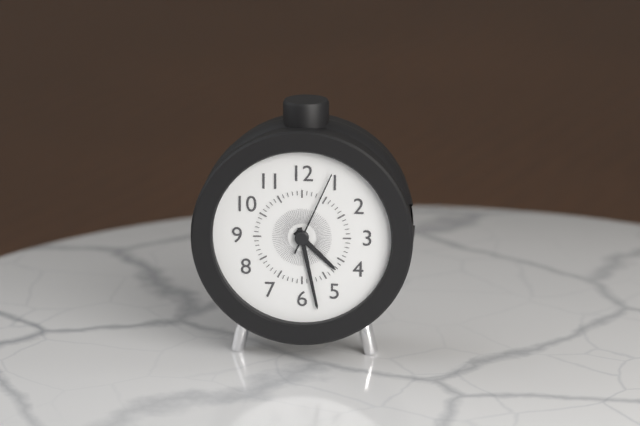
4:28:04
